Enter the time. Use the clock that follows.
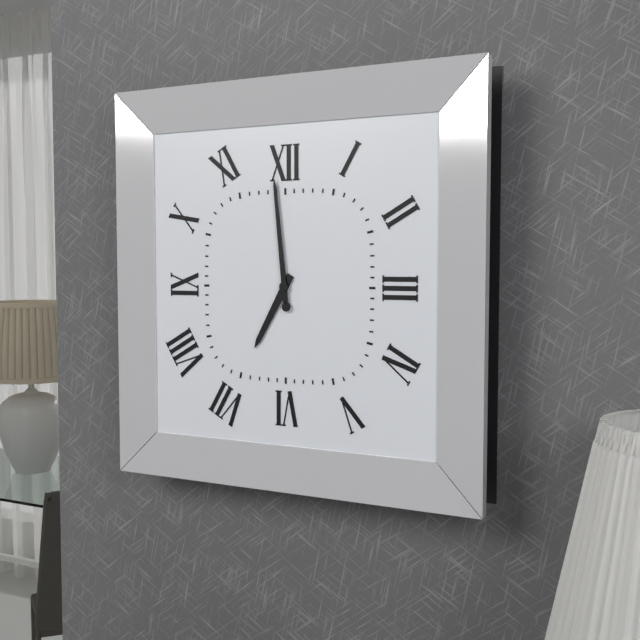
6:59
